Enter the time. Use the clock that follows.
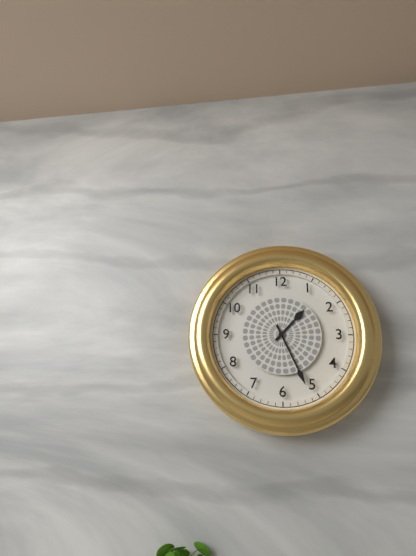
1:26
